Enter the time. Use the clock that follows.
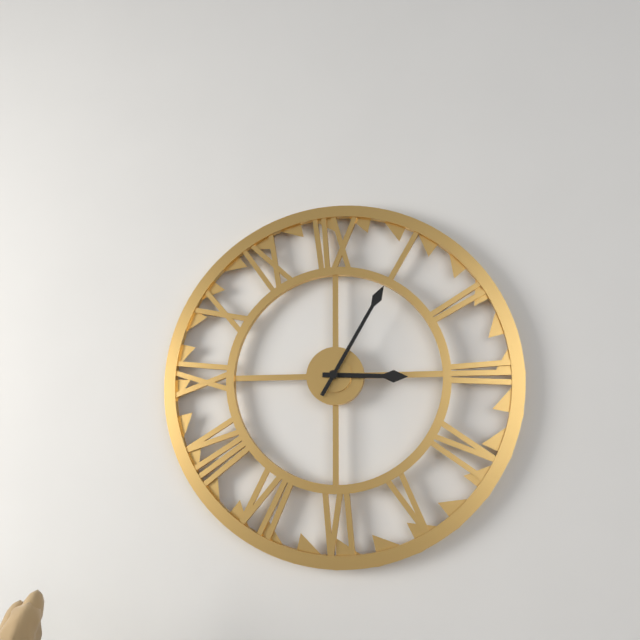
3:05
